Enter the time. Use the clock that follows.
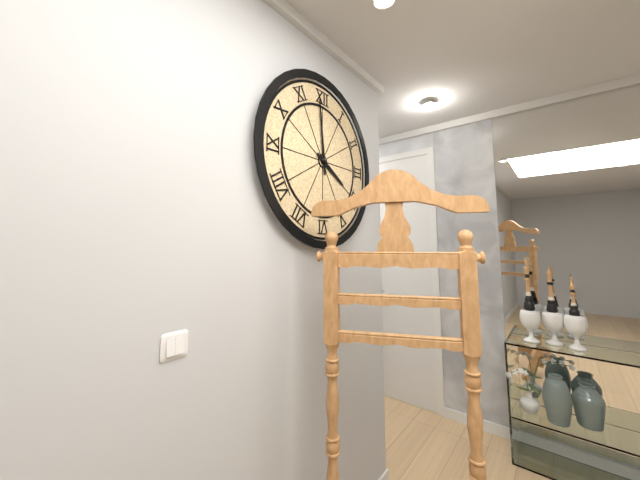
3:59
